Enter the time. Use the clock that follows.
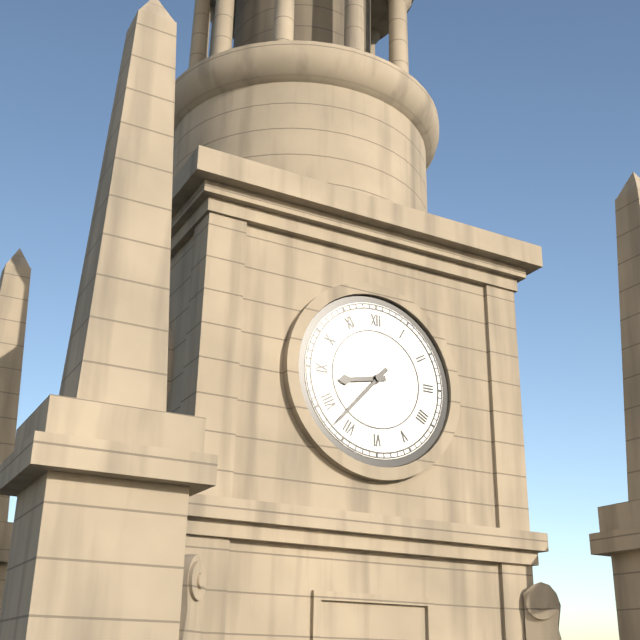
8:37
